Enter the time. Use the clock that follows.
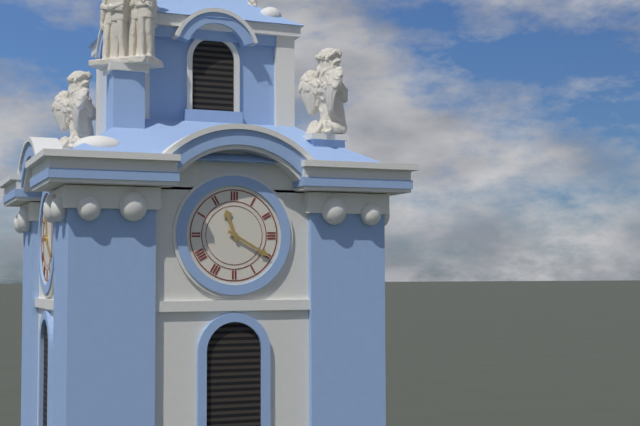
11:20
